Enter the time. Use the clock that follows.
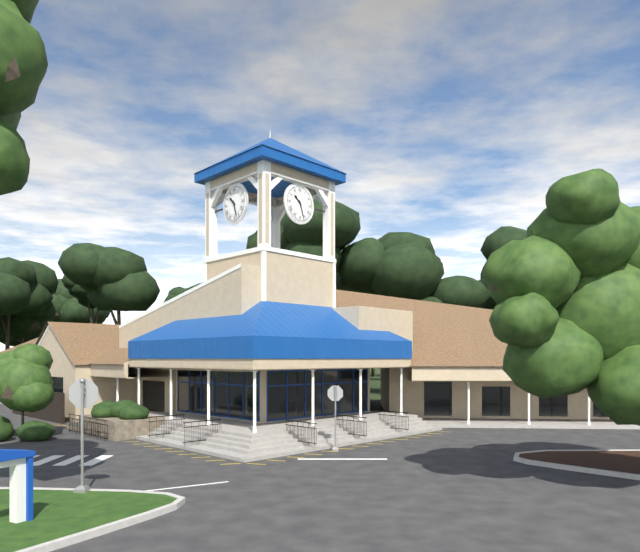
10:27
